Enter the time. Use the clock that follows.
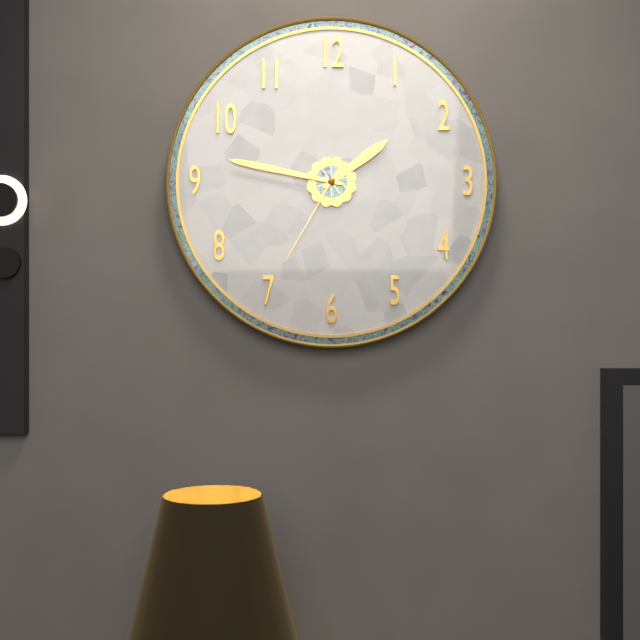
1:47:35
